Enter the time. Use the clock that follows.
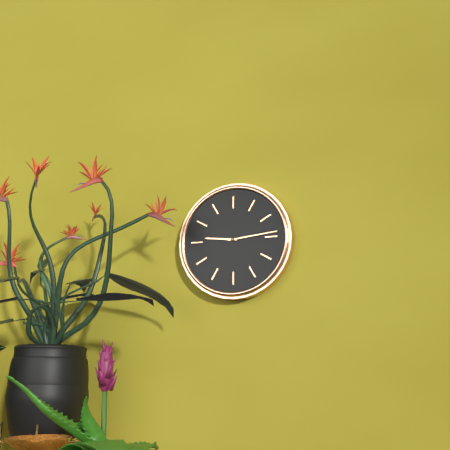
9:14
